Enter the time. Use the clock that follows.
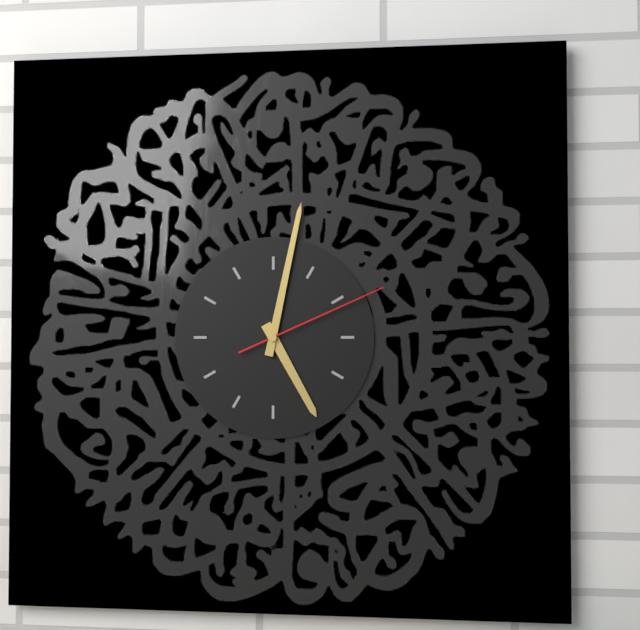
5:02:11
